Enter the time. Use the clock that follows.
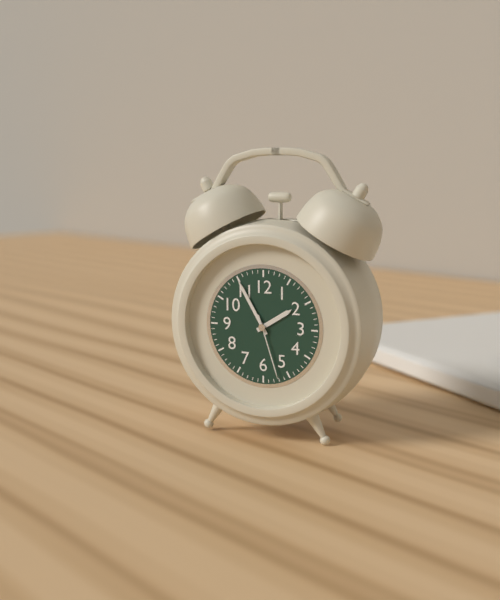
1:55:27
